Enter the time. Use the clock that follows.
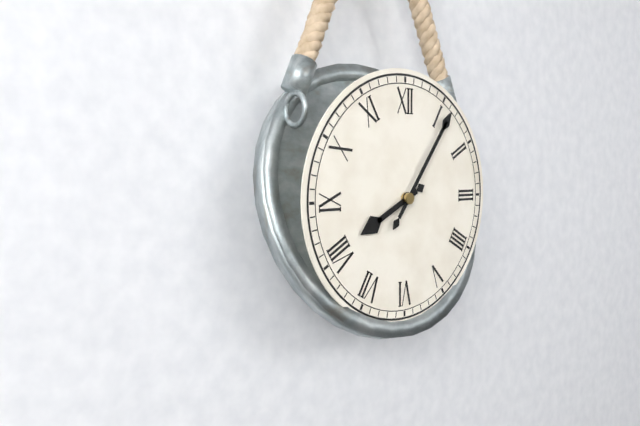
8:06
